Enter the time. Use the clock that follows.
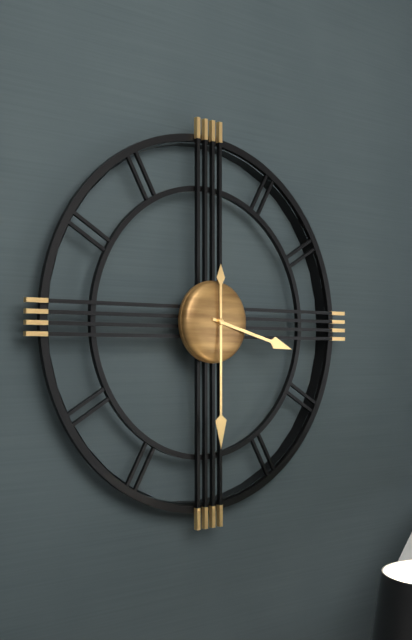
3:30
